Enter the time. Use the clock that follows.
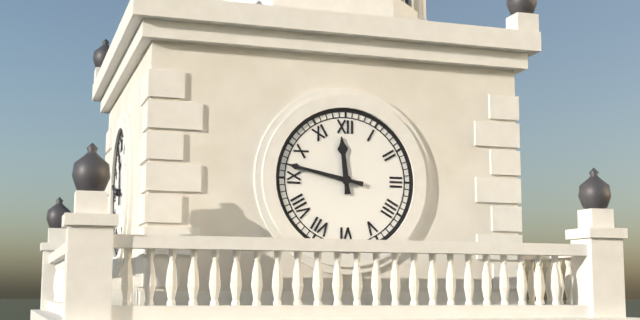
11:47
